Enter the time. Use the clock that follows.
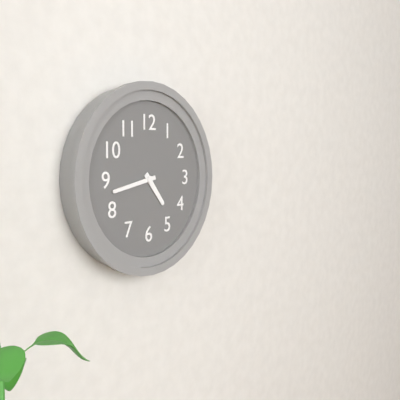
4:43
